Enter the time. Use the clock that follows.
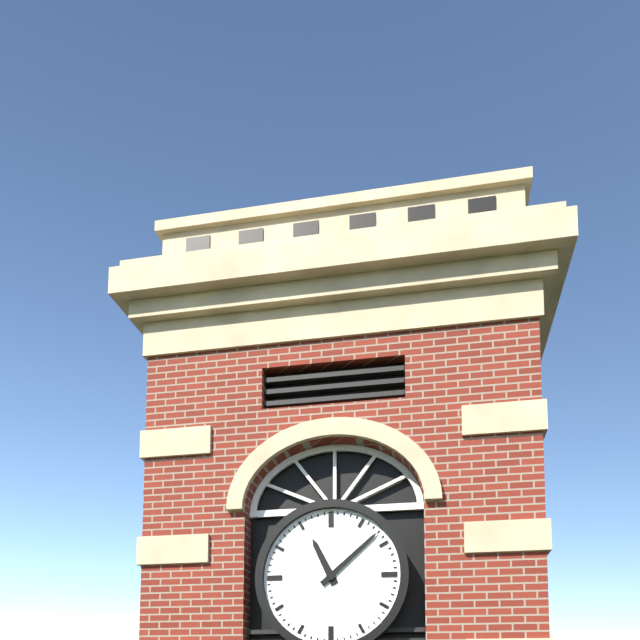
11:08
